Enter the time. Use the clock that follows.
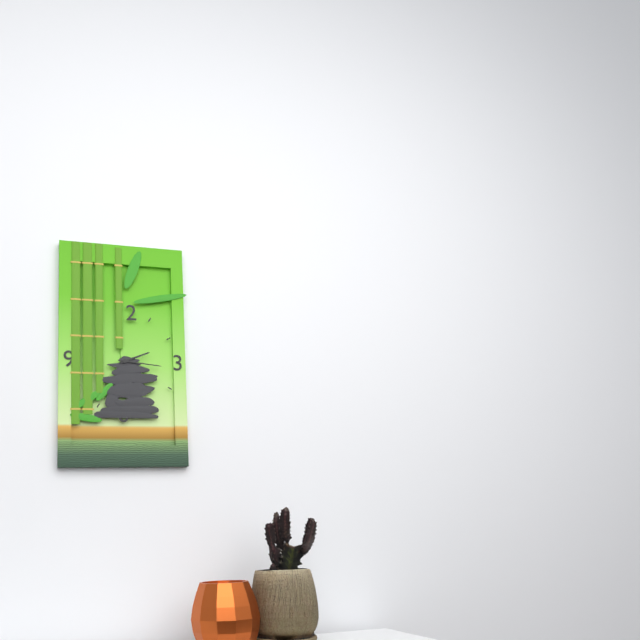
2:16
